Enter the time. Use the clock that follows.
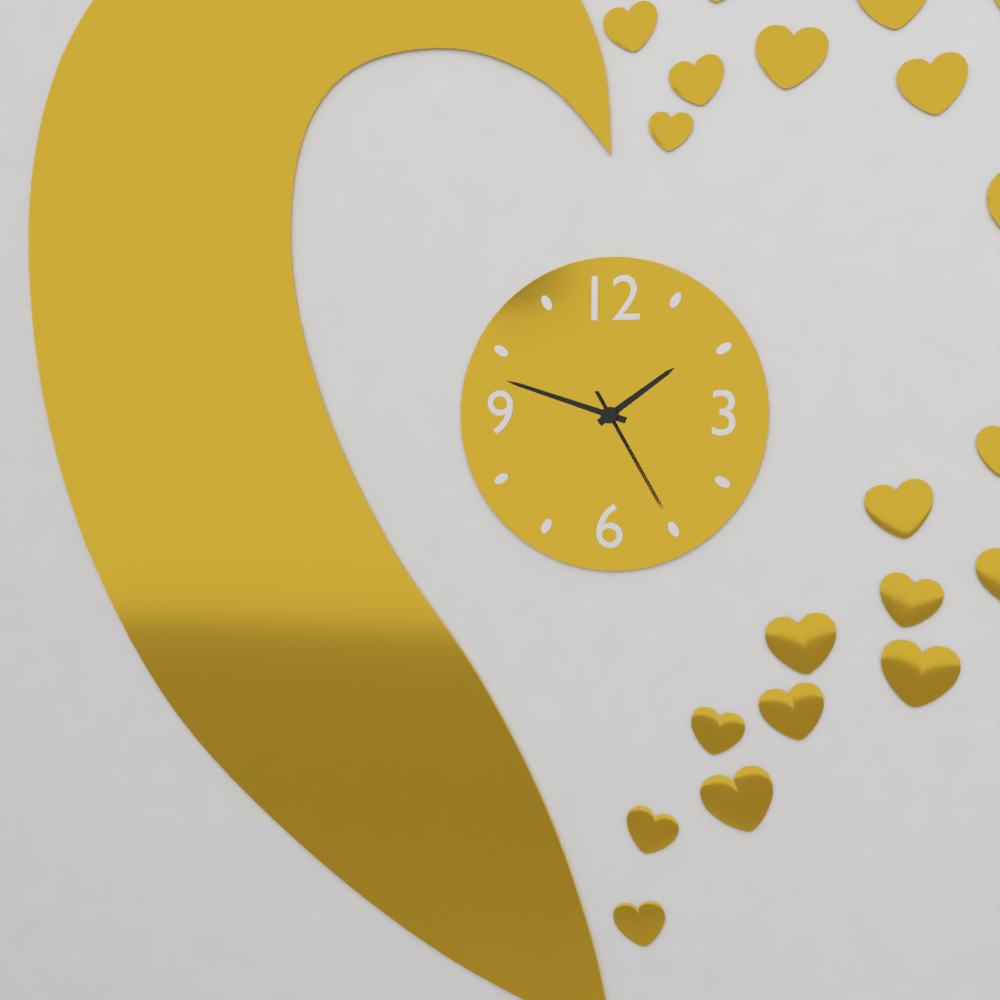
1:48:25
